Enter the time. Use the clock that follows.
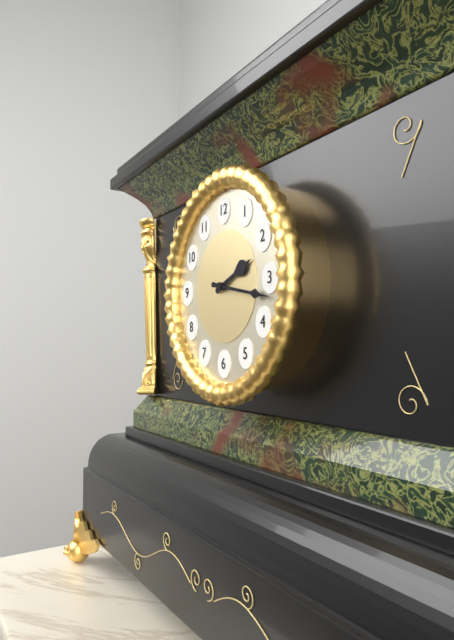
2:17
